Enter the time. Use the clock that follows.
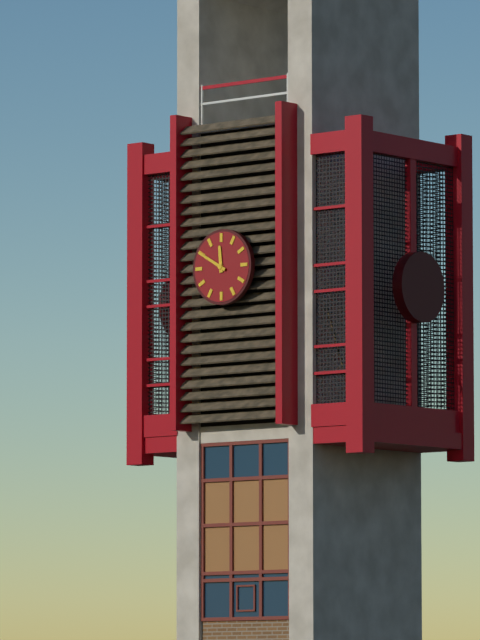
11:50
